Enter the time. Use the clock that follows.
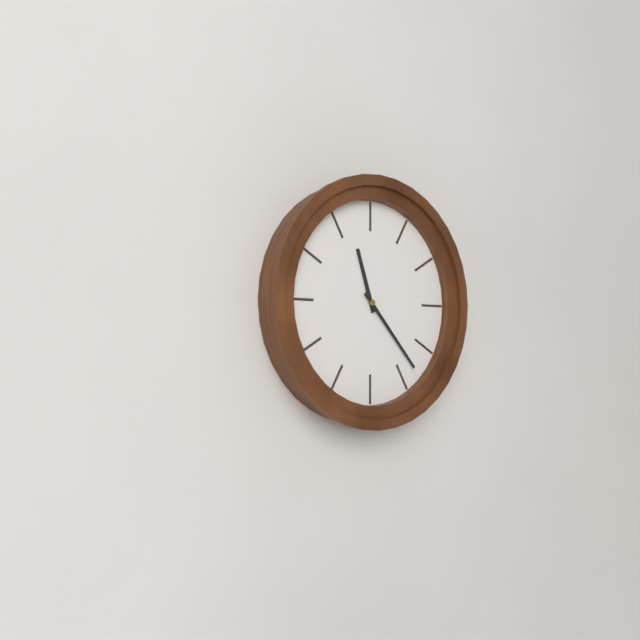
11:23
